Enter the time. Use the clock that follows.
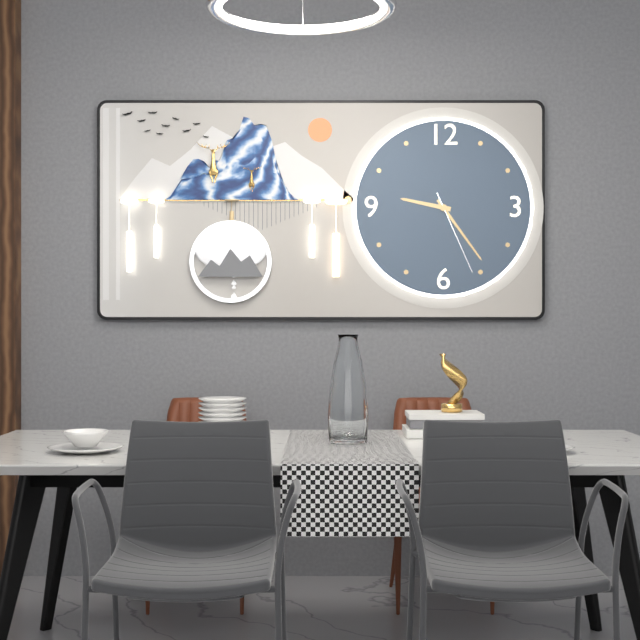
9:24:26
